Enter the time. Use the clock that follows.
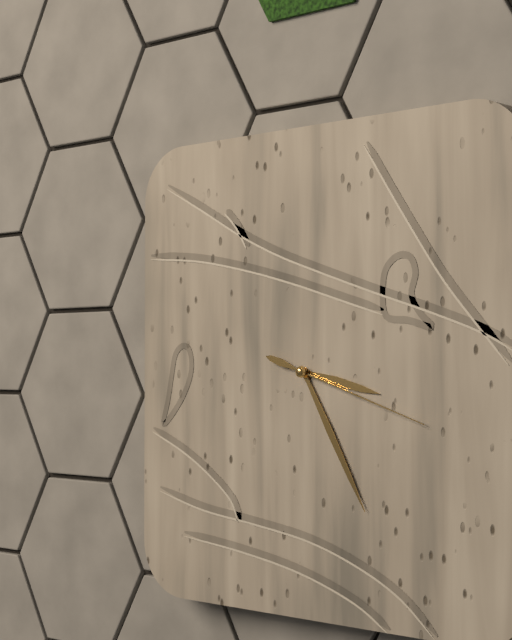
3:25:18
